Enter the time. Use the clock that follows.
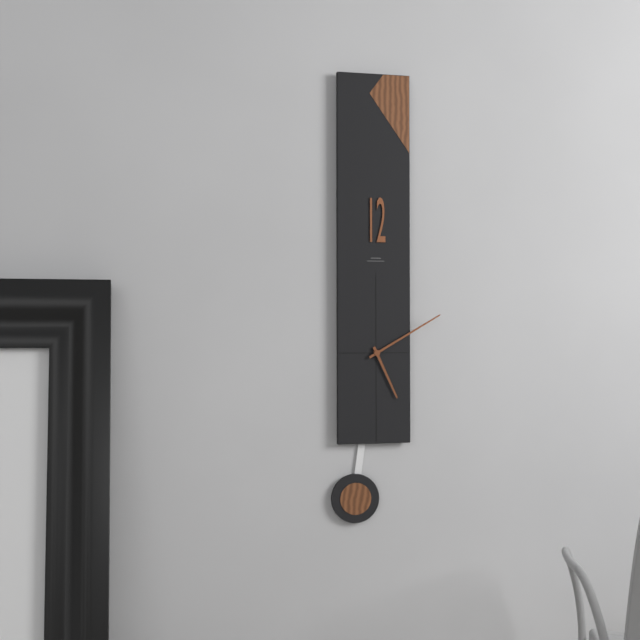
5:10
